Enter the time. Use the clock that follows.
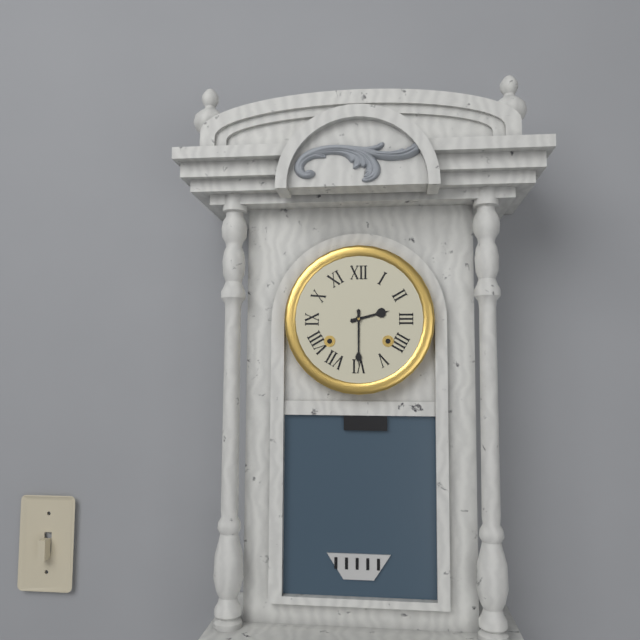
2:30
